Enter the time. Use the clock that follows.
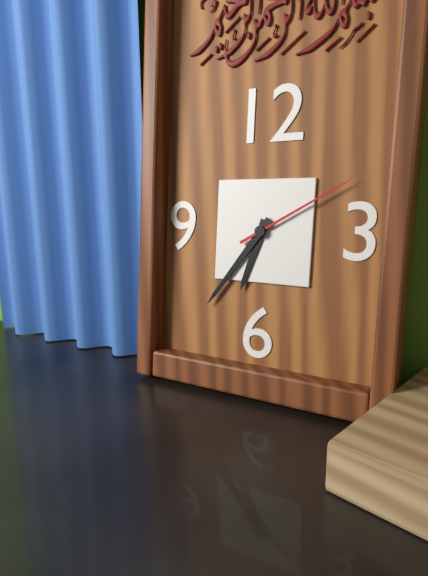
6:36:10
